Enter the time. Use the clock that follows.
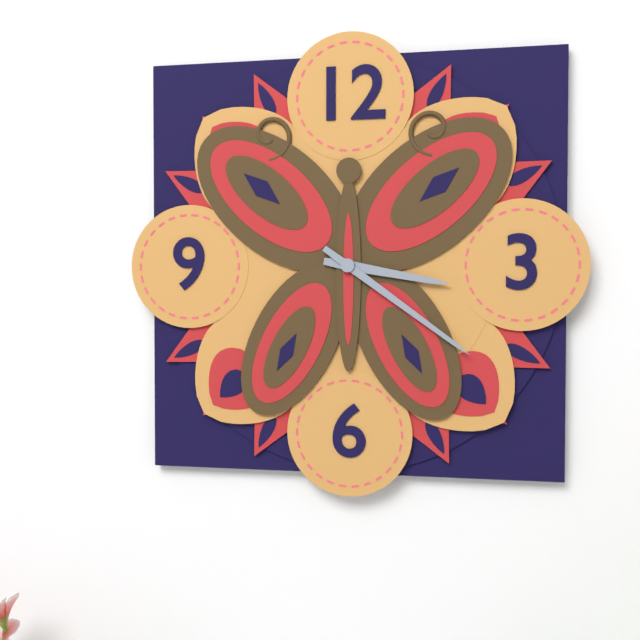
3:21
